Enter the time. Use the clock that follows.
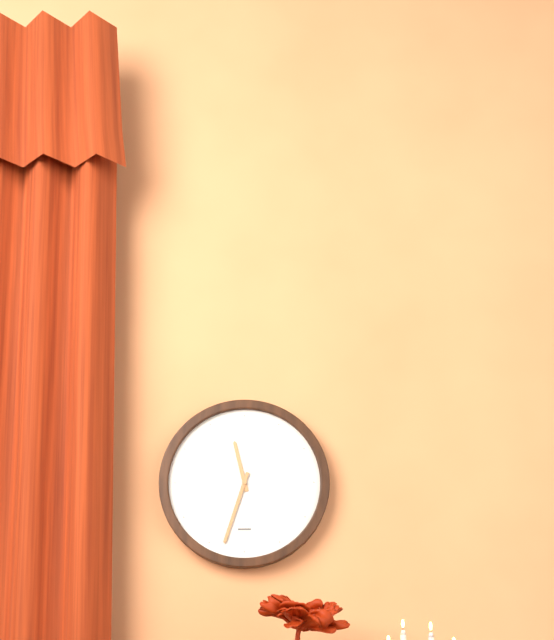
11:33
